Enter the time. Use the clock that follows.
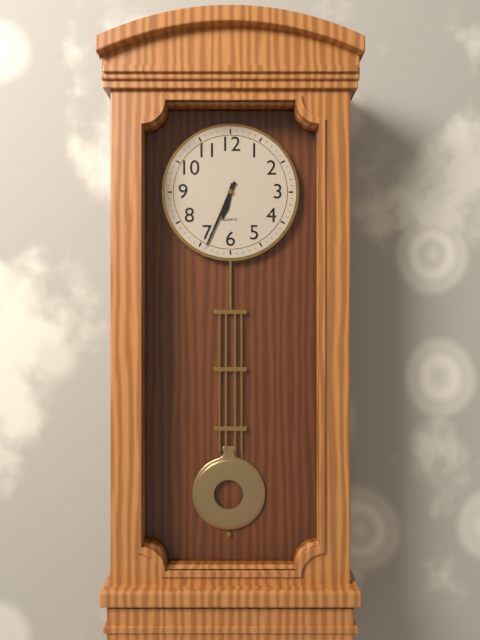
6:34
